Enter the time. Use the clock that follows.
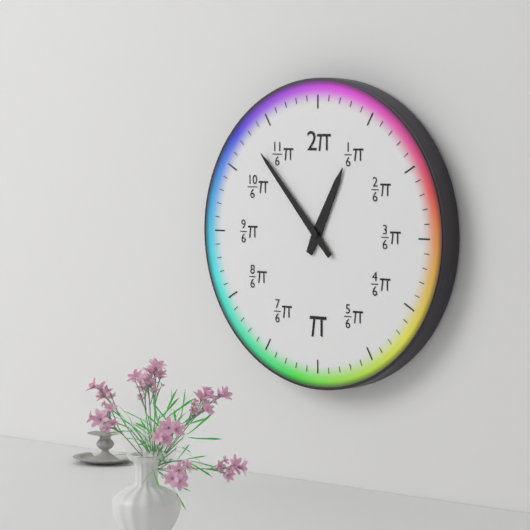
12:53
